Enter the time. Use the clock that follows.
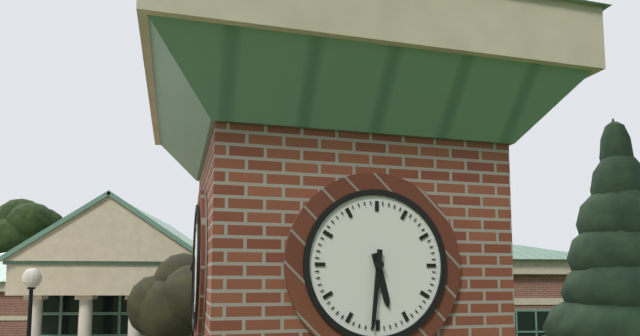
5:31
